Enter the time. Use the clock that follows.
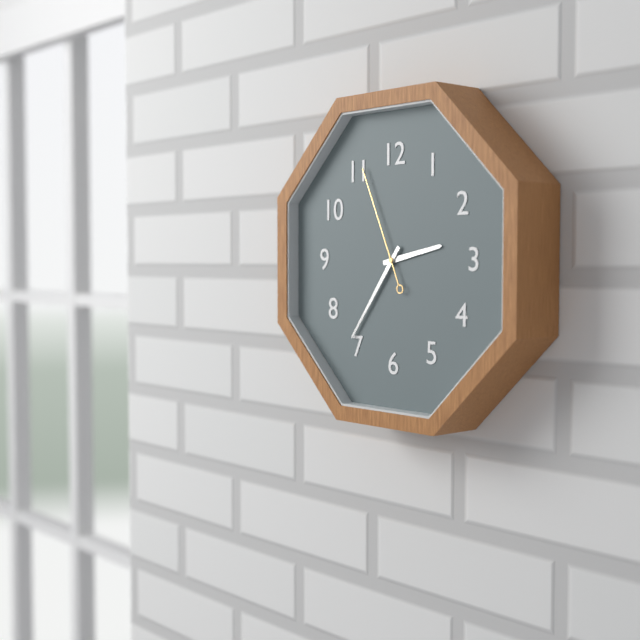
2:36:56
